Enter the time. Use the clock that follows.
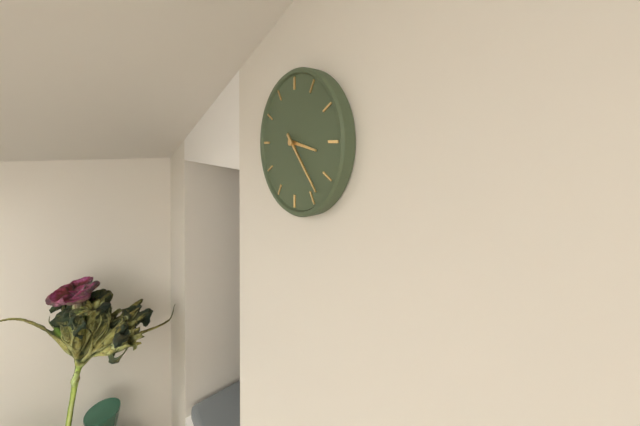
3:23
